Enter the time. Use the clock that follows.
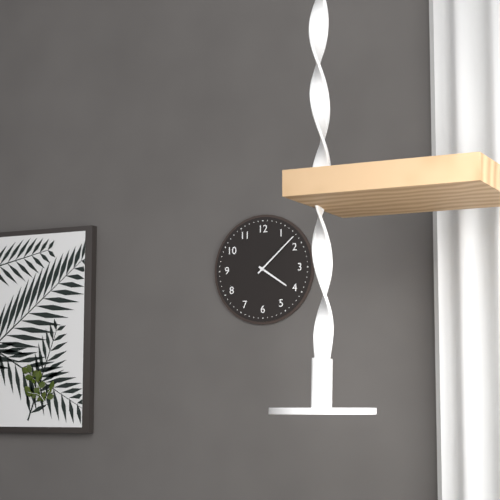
4:08
